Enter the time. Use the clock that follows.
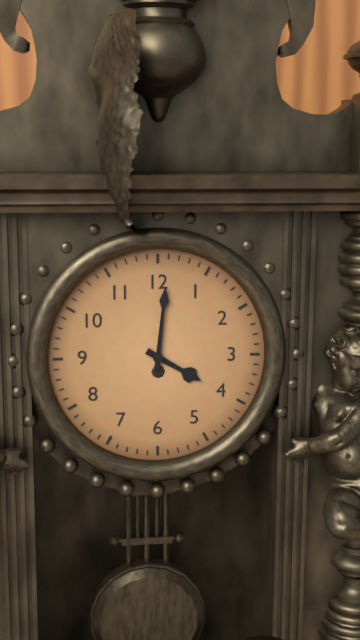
4:01
